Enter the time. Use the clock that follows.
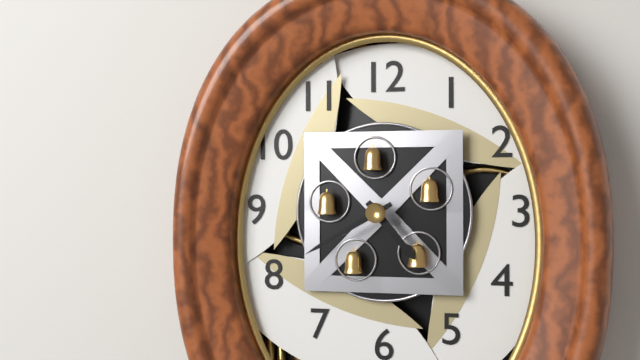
4:40
